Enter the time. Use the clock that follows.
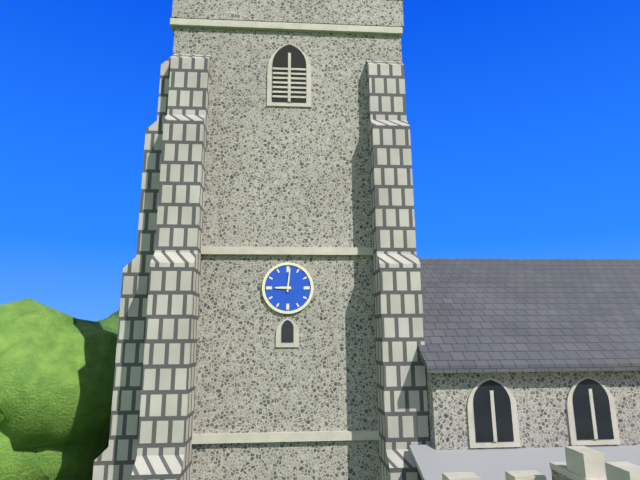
9:01
